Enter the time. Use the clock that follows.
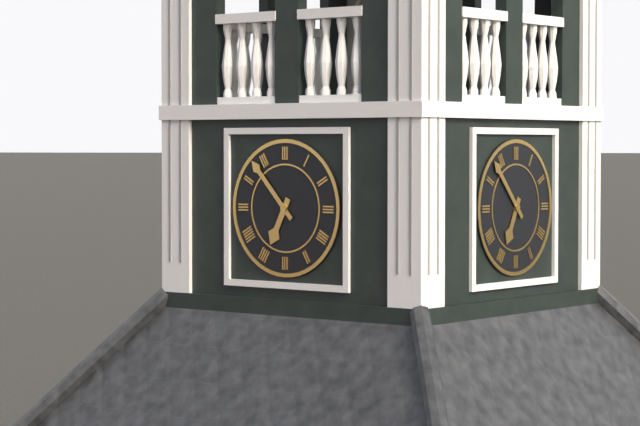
6:53
